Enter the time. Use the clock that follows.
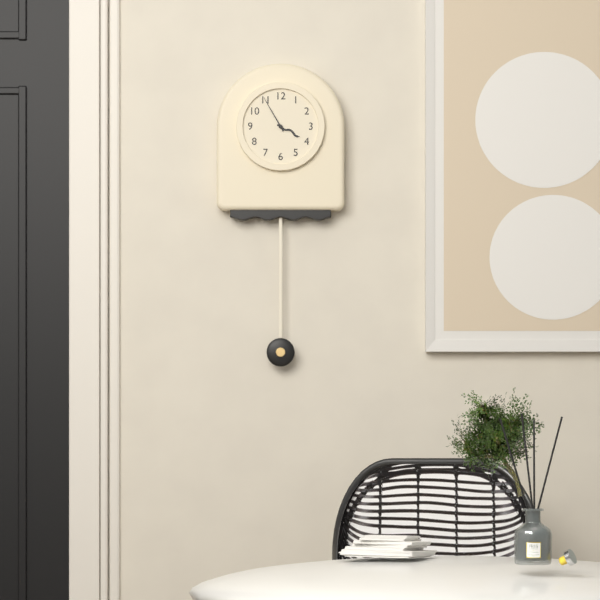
3:55
